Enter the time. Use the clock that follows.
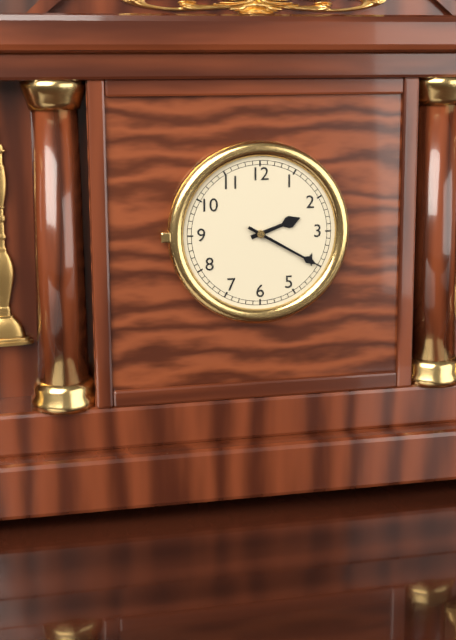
2:20
